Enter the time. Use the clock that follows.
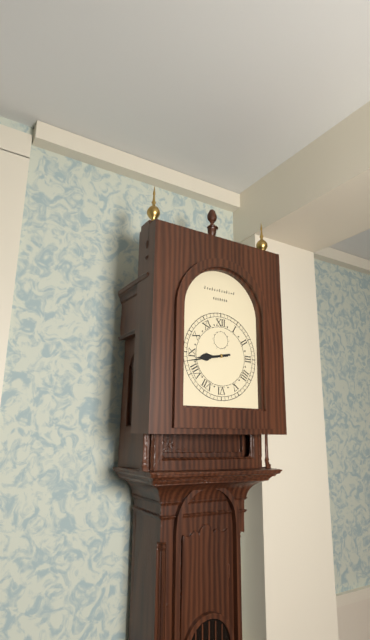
8:43
